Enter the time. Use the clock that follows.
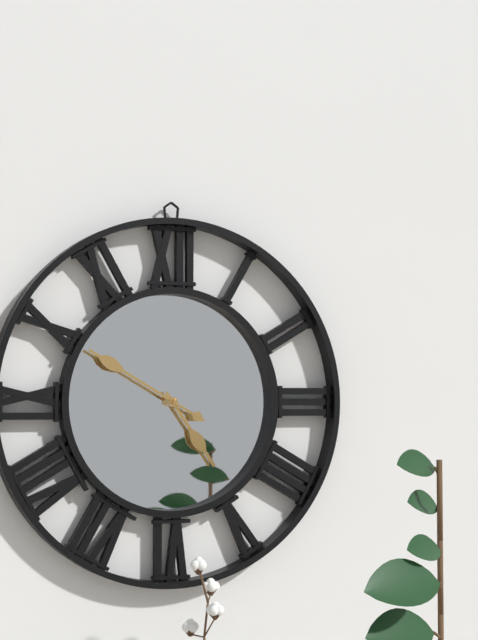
4:50
